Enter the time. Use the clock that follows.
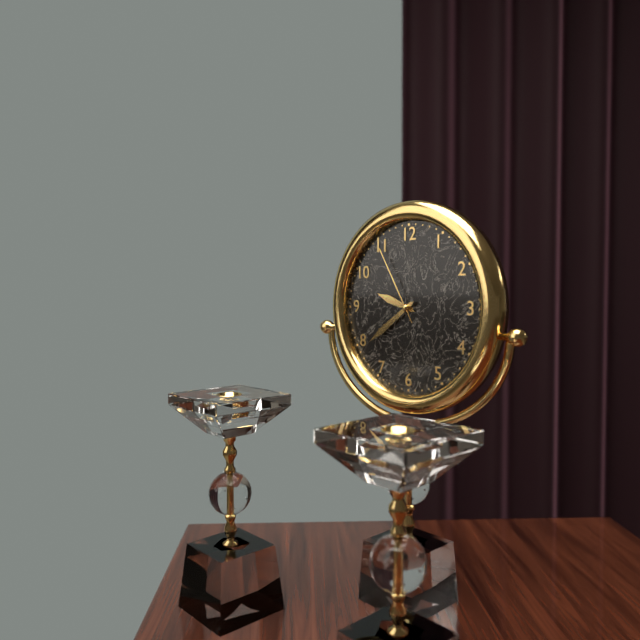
9:39:55
